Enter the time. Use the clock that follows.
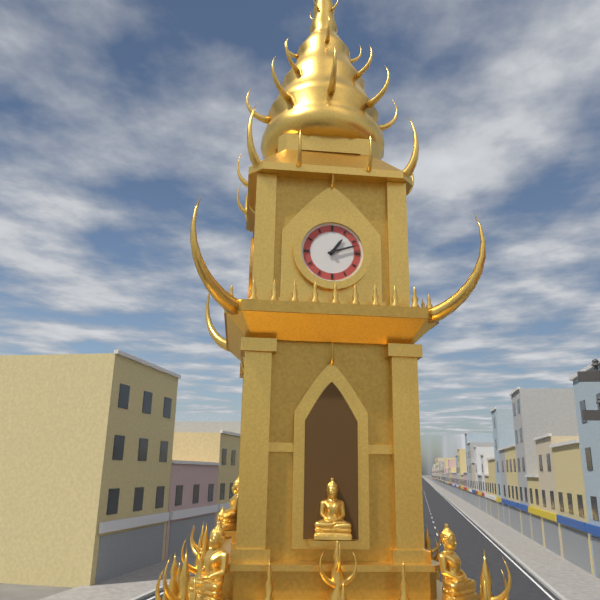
1:12
